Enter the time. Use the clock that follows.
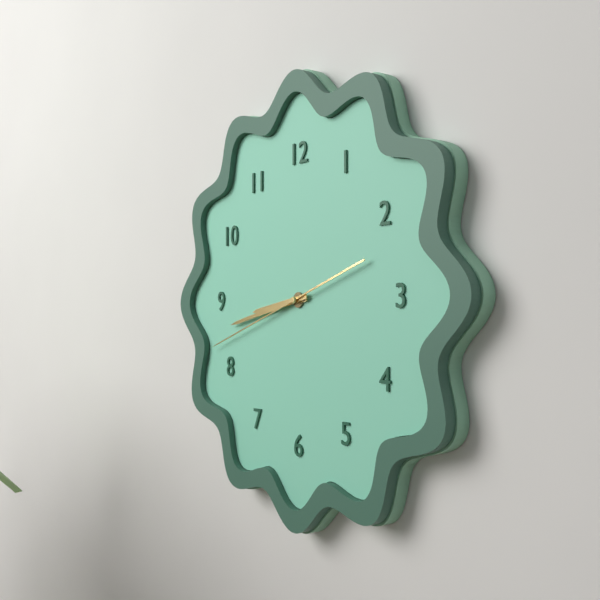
8:43:42
